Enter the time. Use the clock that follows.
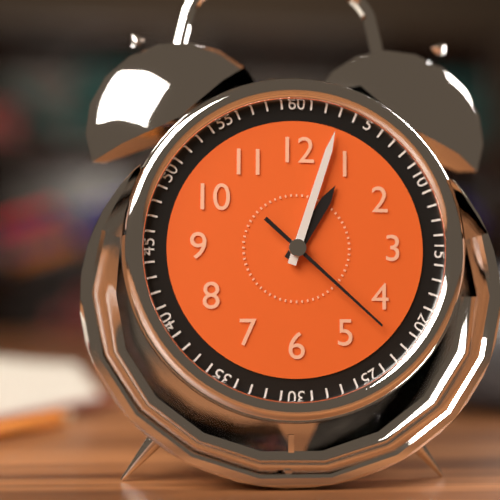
1:03:22
